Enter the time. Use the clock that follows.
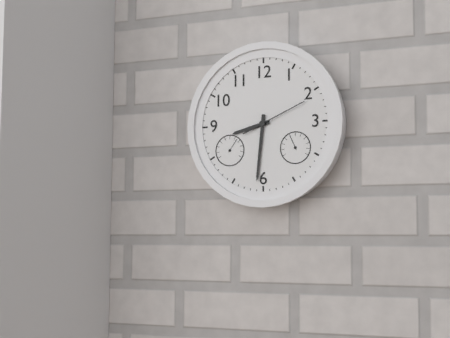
8:31:11
